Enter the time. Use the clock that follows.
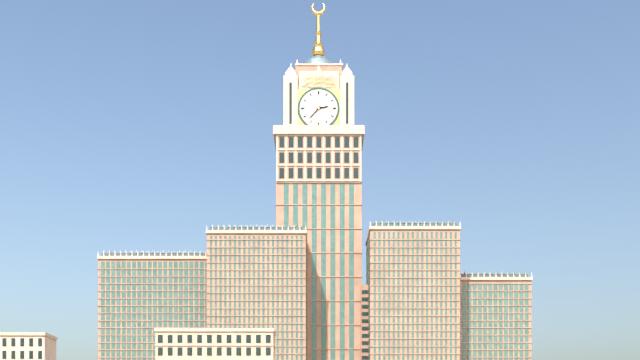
2:37
